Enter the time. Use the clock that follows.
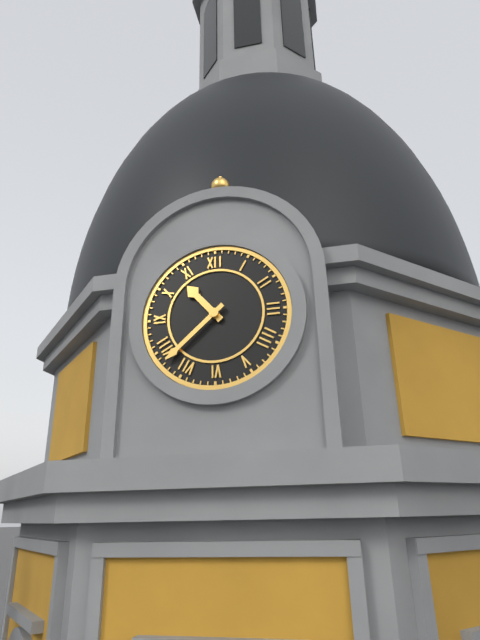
10:38
